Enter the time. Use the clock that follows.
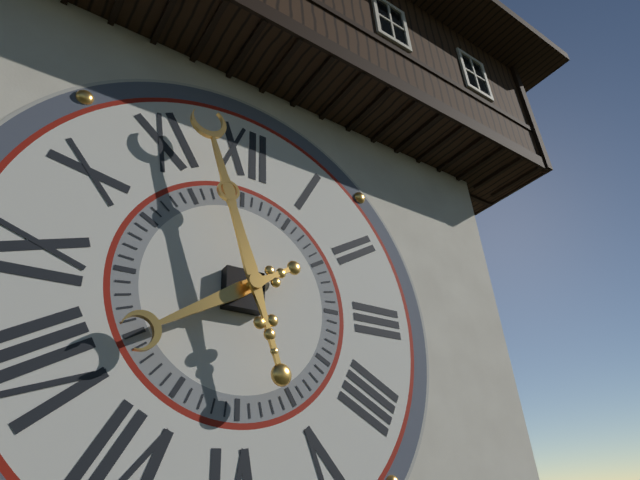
7:57
